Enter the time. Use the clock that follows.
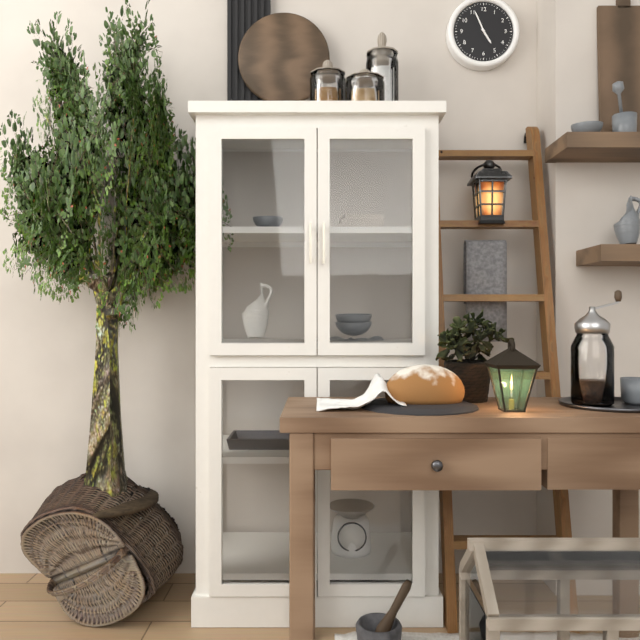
4:56
